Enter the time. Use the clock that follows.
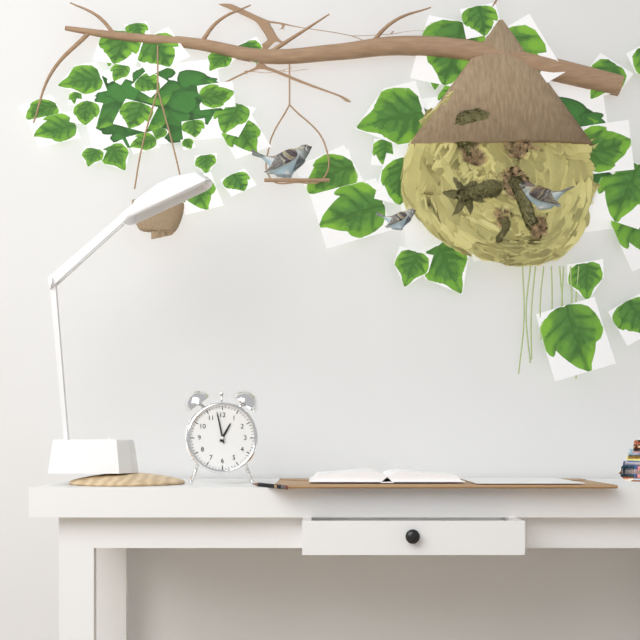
12:58
